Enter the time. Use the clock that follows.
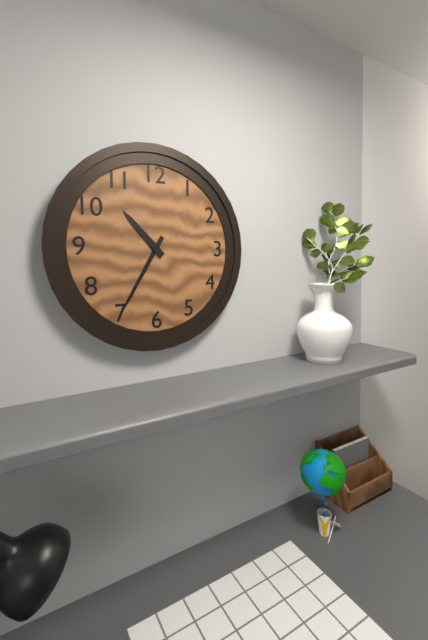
10:35
